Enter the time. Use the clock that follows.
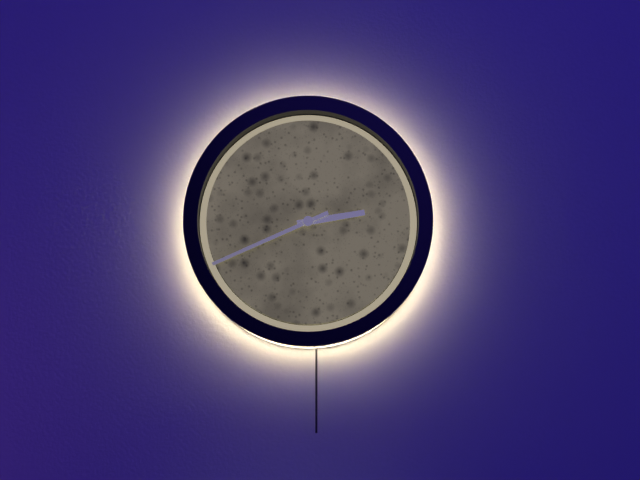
2:41
